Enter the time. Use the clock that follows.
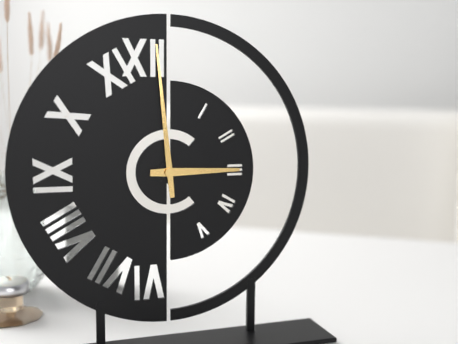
2:59
